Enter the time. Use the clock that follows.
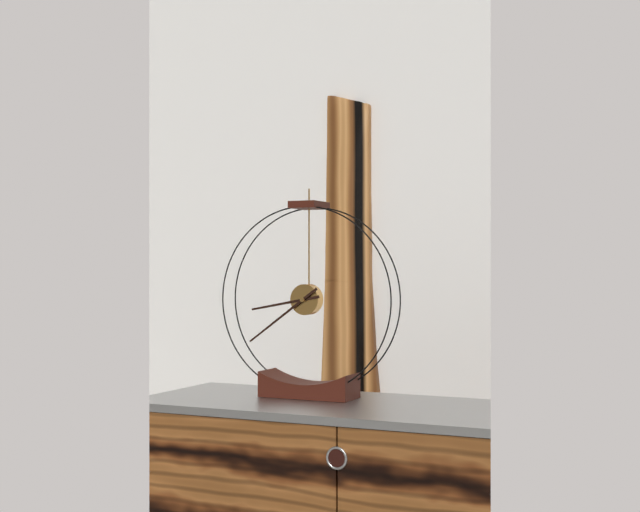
8:39
